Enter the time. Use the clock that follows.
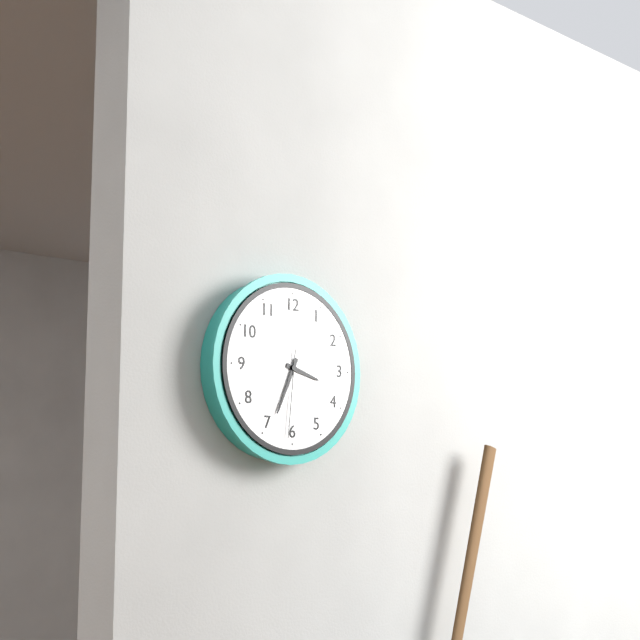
3:34:31
